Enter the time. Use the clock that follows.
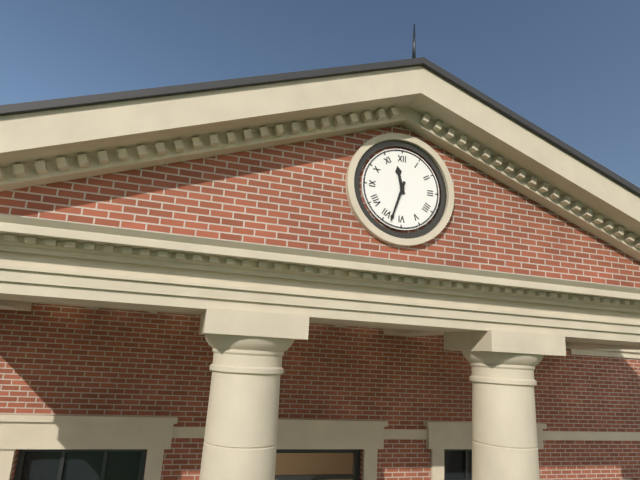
11:33
